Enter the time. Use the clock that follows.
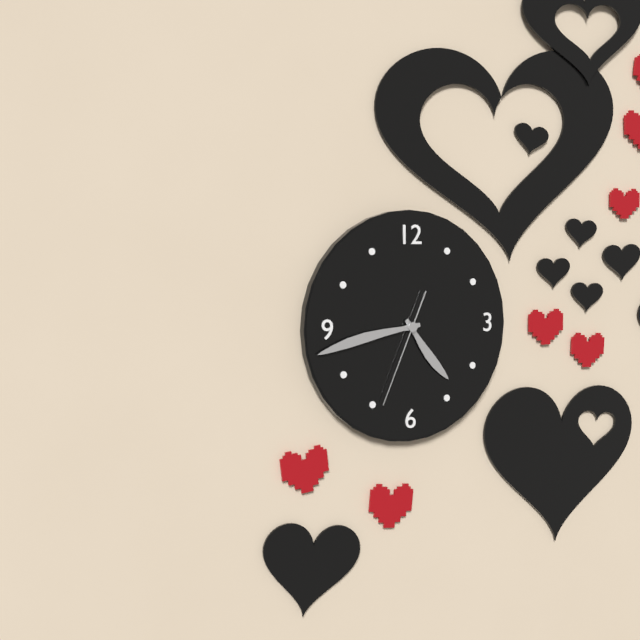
4:43:34
